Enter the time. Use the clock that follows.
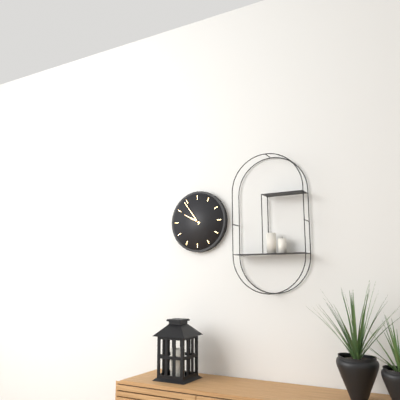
9:54
